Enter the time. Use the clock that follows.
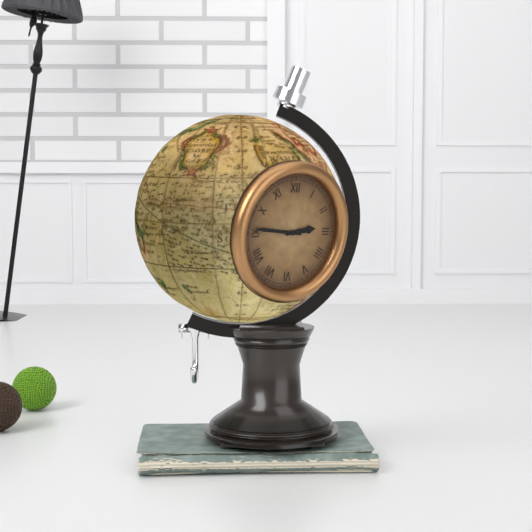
2:46
